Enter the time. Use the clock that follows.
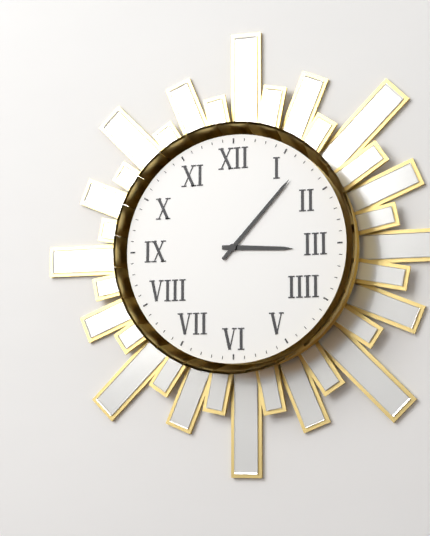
3:07
